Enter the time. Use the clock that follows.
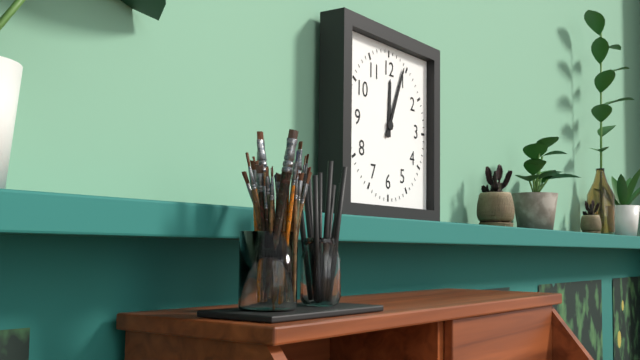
12:04
